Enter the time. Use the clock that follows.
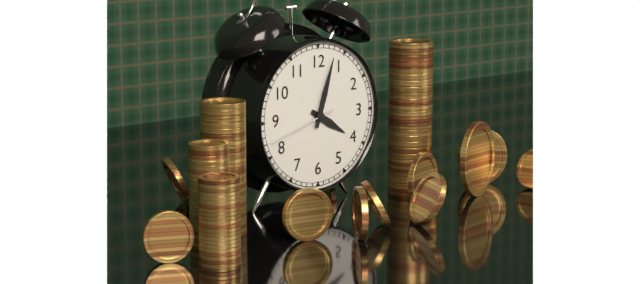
4:03:42
